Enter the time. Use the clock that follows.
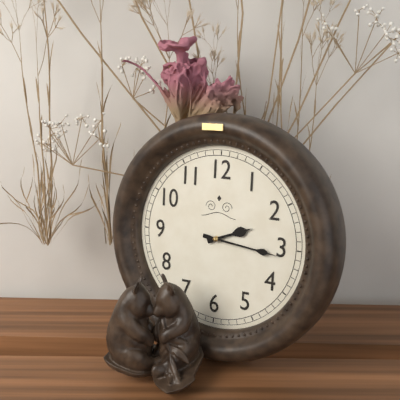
2:16
